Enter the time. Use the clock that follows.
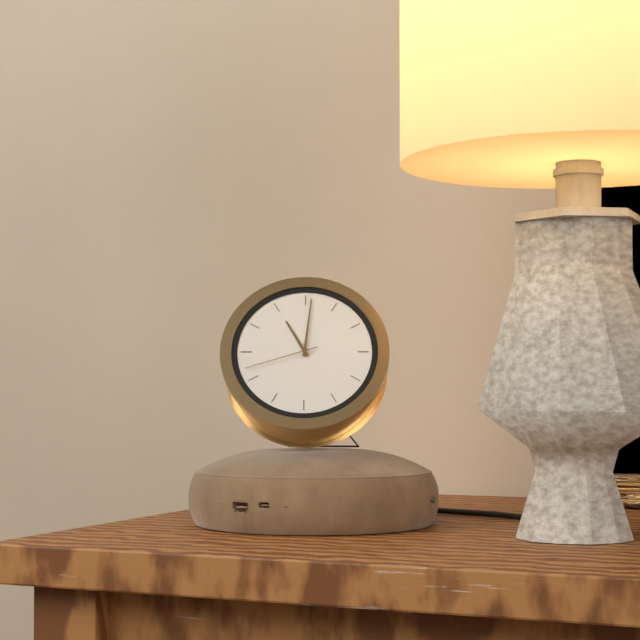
11:01:42
